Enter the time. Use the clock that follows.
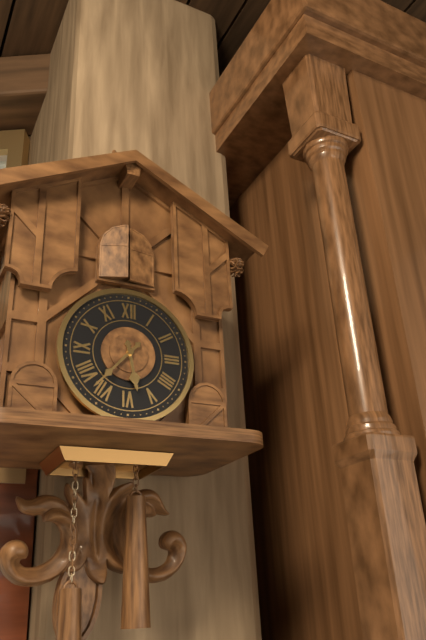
5:37
